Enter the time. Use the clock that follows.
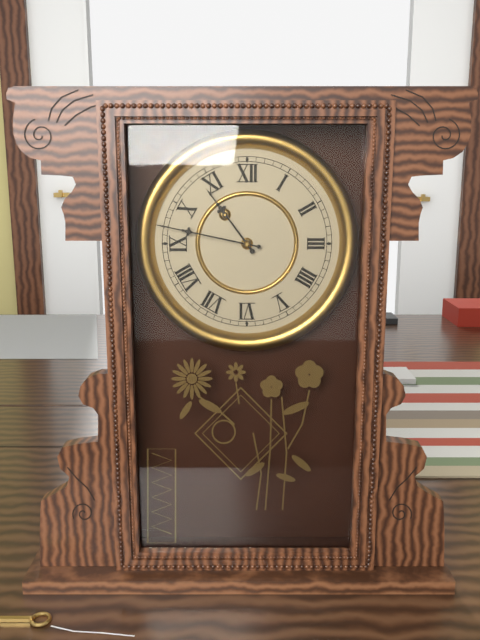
10:47
